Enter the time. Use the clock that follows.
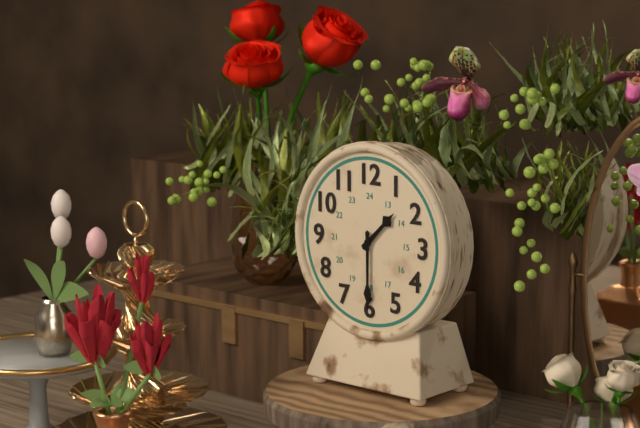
1:30
